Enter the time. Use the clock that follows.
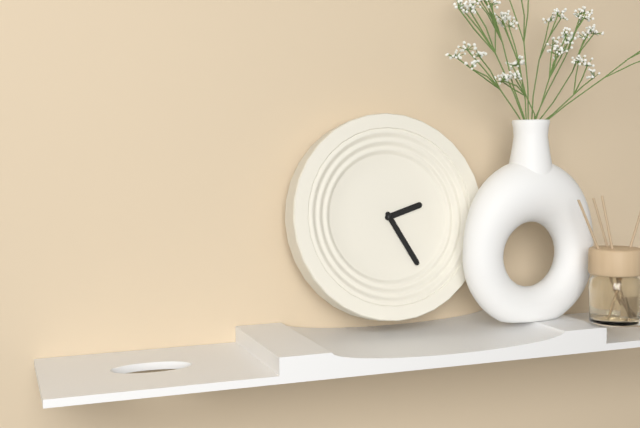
2:25
